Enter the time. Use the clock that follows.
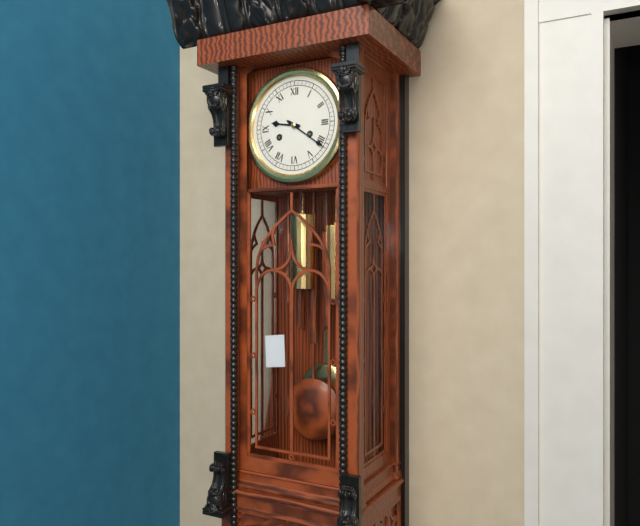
9:21
